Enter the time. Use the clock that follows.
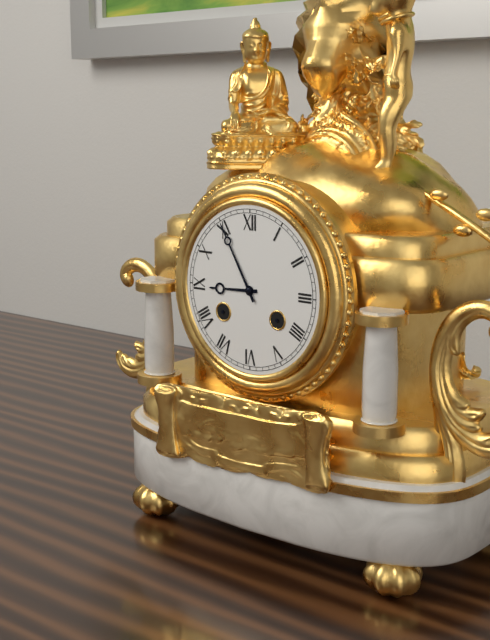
8:55
